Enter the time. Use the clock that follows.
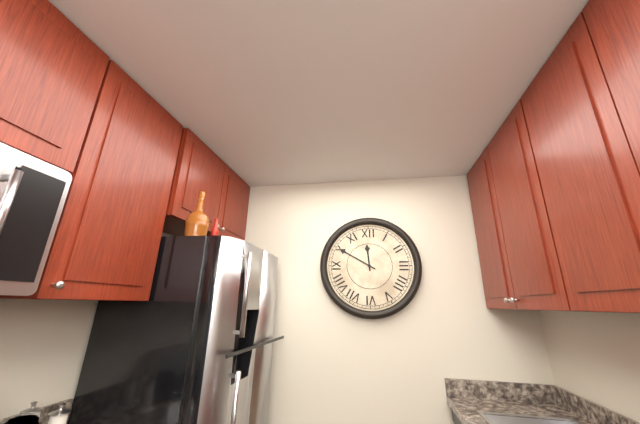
11:50
